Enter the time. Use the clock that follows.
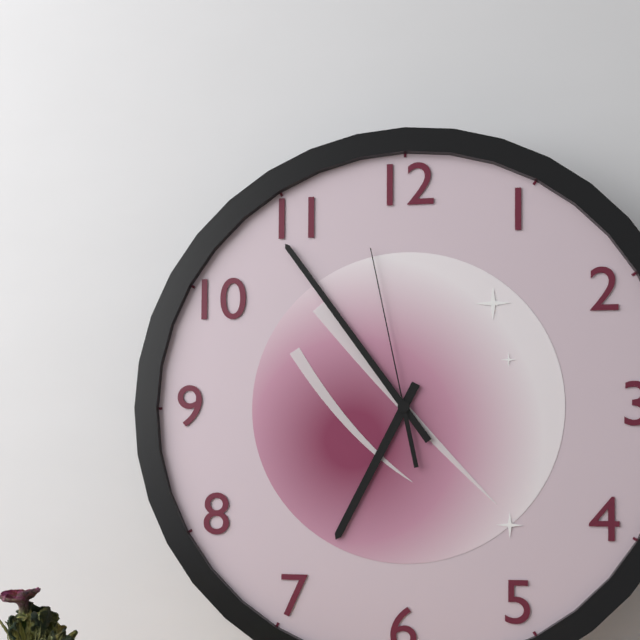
6:54:58
